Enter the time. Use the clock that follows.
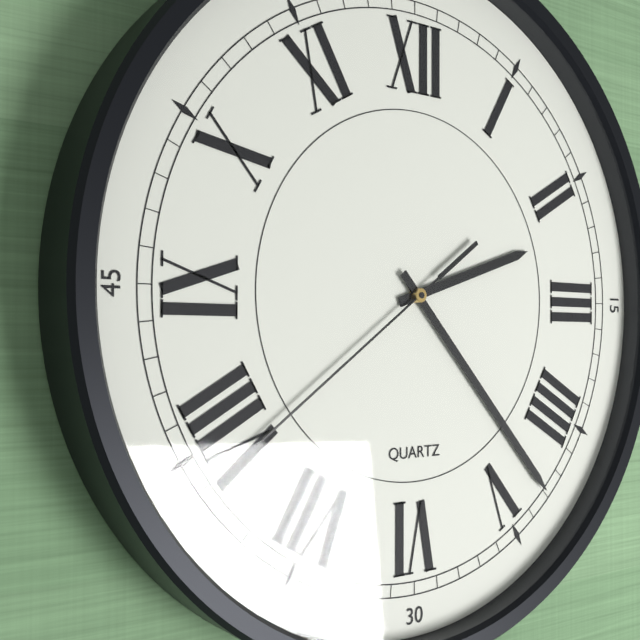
2:23:39
